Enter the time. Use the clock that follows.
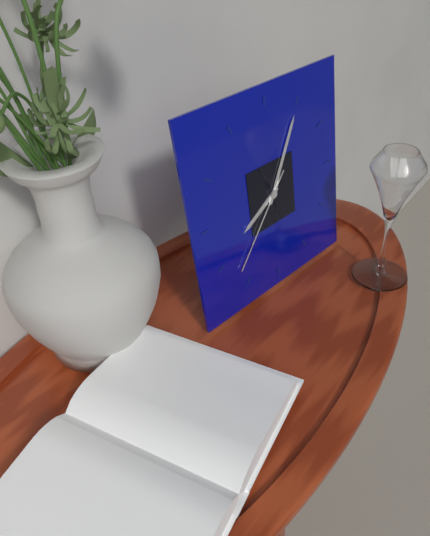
8:05:37
